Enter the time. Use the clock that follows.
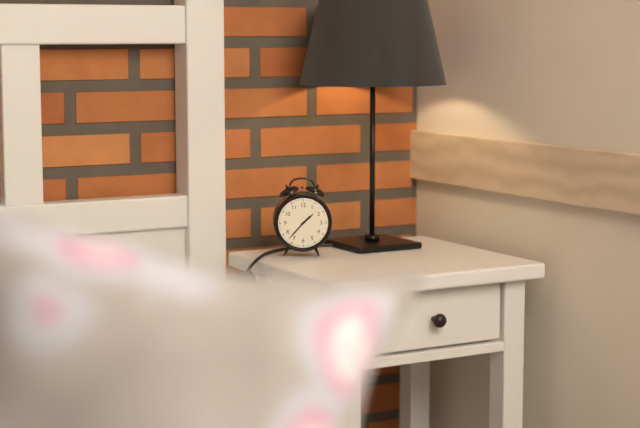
1:37
